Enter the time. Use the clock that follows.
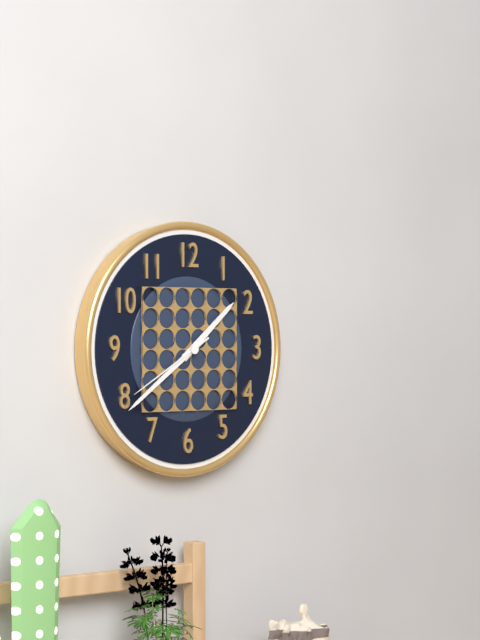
1:39:40
